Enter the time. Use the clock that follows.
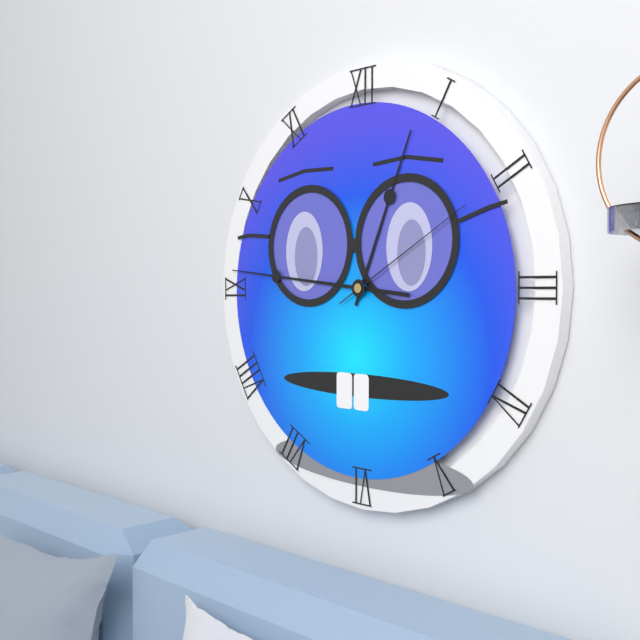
12:46:10
